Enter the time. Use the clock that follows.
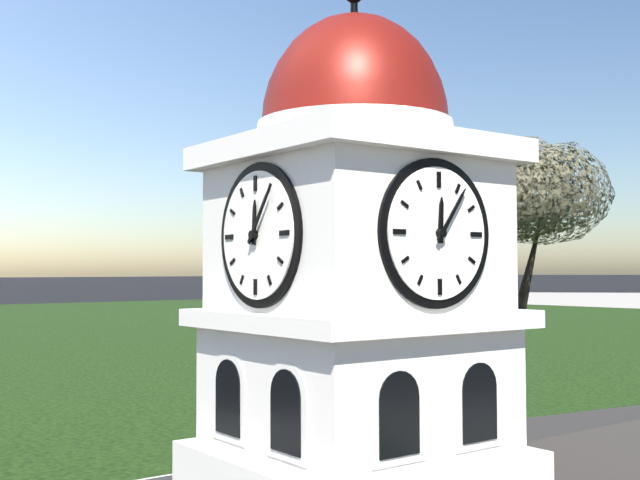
12:06
